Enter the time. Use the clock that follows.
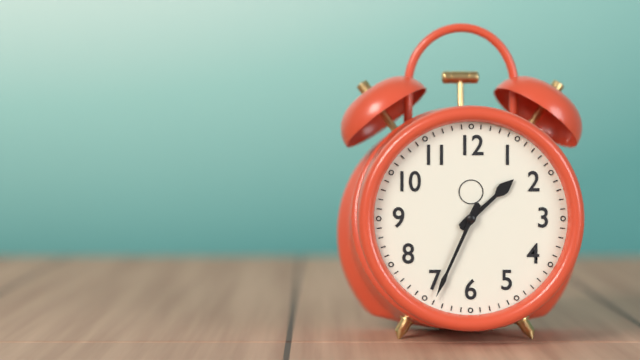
1:34
